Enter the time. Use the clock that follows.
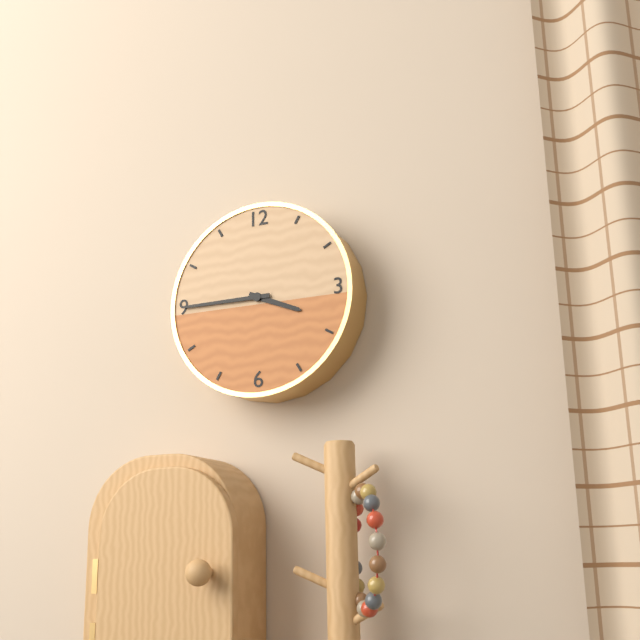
3:45
